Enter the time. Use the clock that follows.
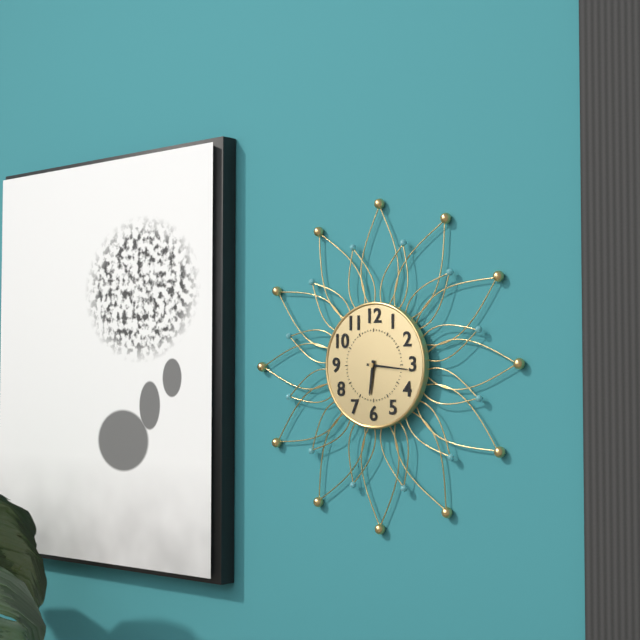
6:16
